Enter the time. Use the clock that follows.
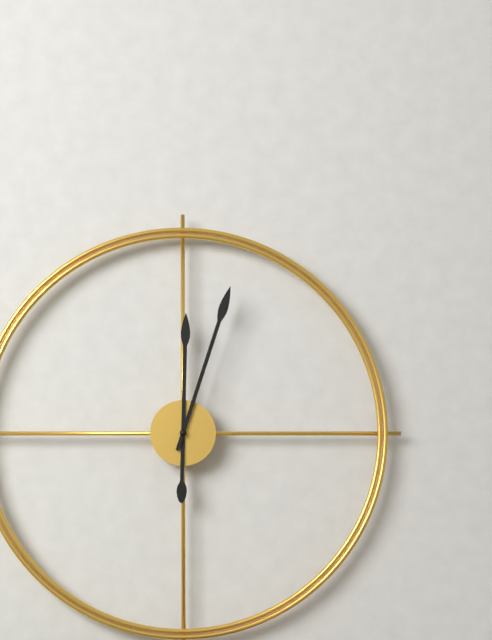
12:03
